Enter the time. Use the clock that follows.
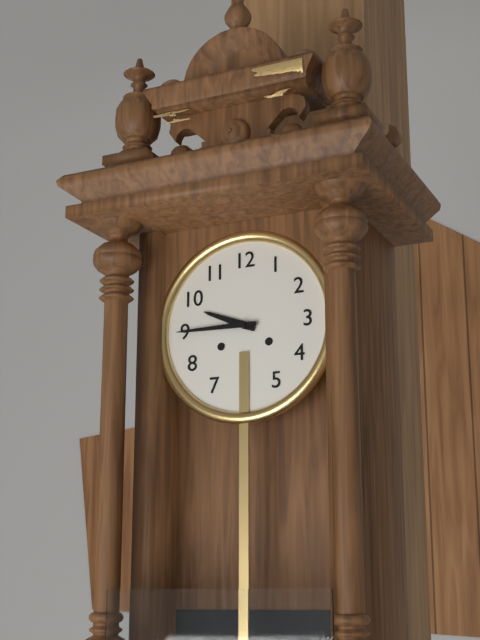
9:45
